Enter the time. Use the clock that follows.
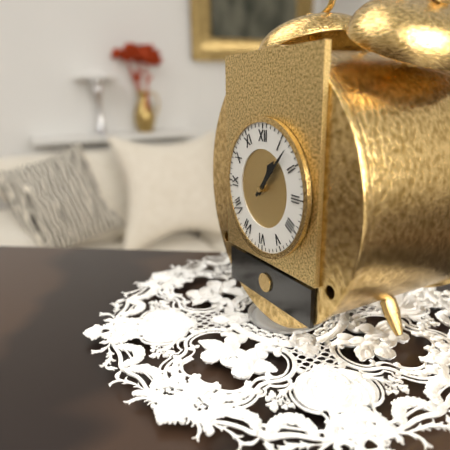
1:07
